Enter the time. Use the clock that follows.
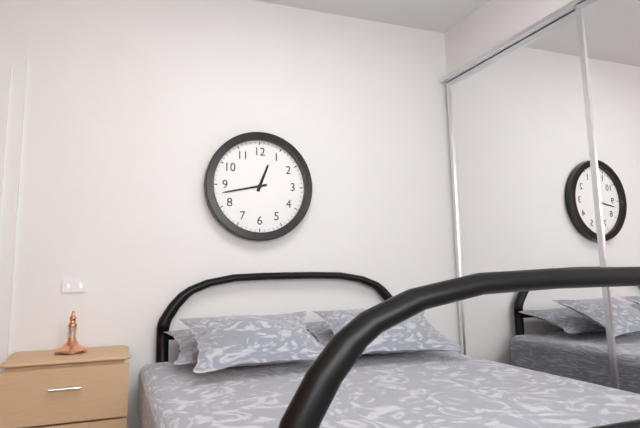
12:43
